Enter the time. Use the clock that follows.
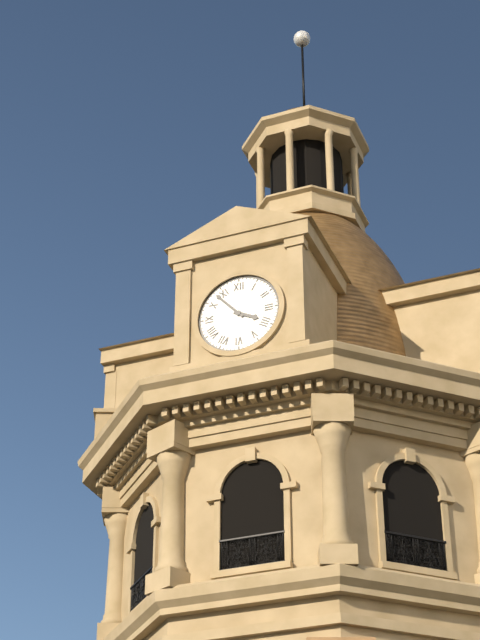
3:53
